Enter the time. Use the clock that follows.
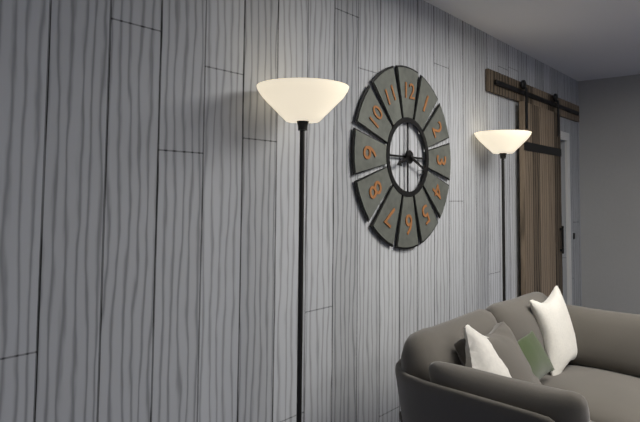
8:19
